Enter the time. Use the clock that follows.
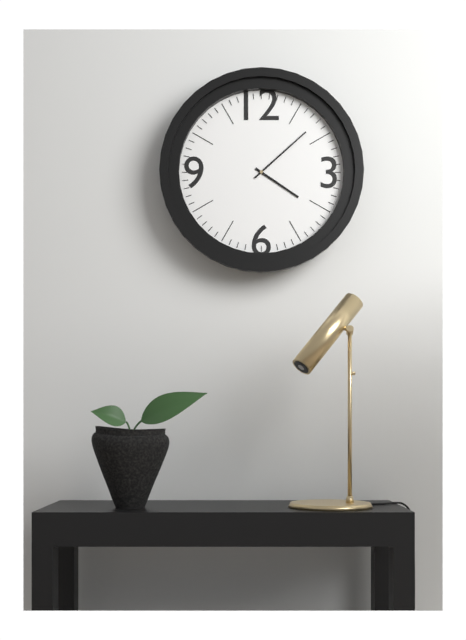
4:08
